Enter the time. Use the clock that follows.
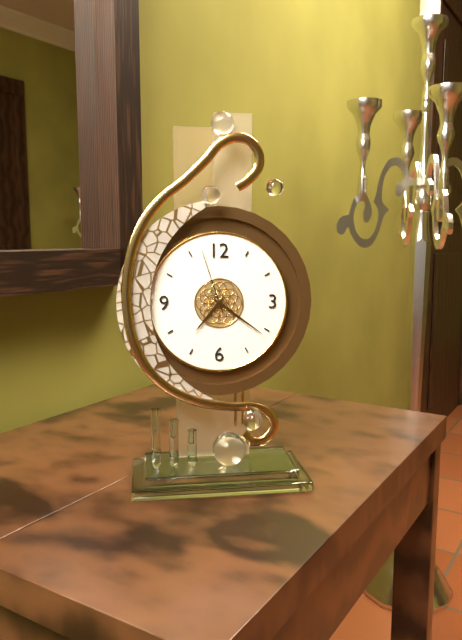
7:21:57
